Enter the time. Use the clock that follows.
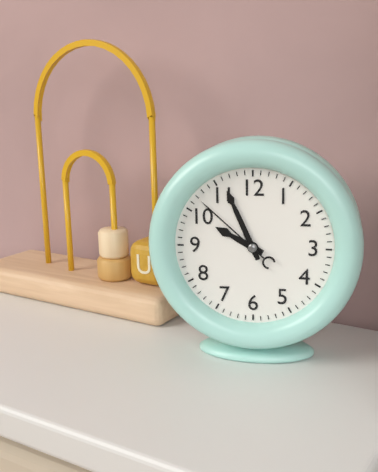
9:56:52
